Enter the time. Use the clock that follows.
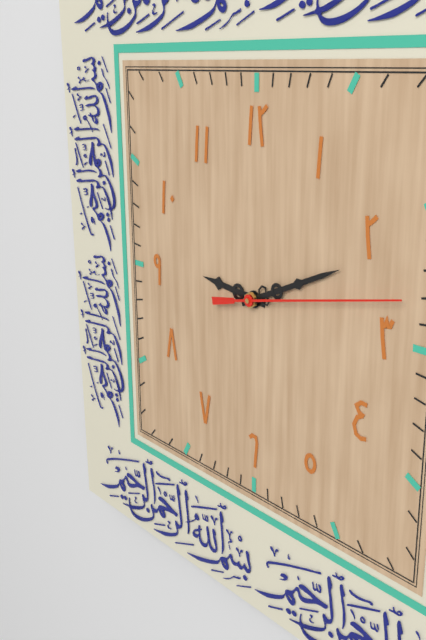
9:11:13
